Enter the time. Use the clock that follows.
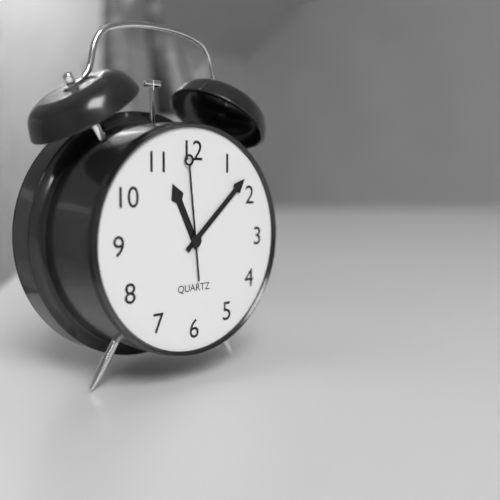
11:08:59
